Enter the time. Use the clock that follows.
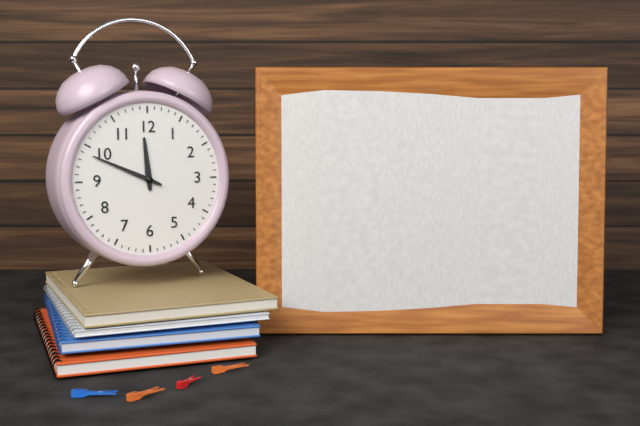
11:49
